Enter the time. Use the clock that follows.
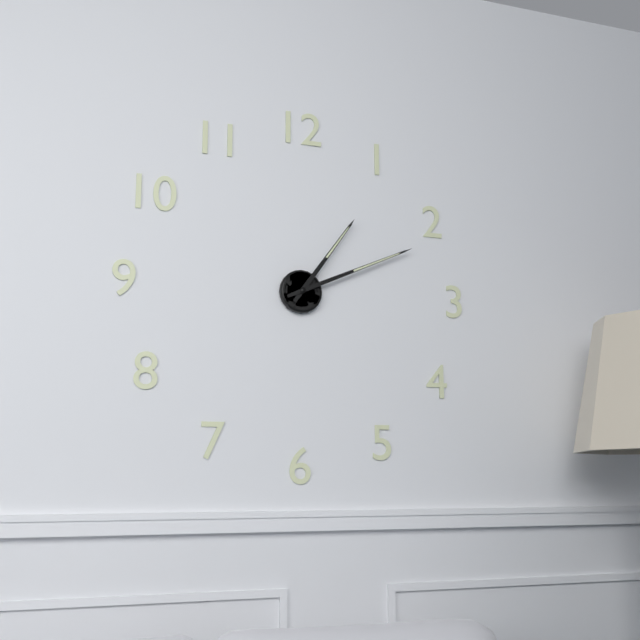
1:11
